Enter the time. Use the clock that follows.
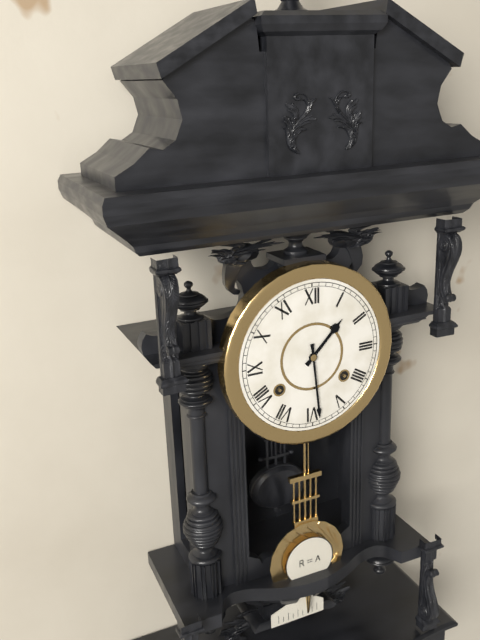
1:29
